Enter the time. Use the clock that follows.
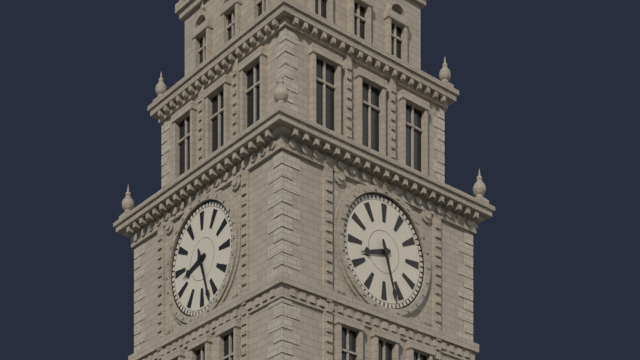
8:27
